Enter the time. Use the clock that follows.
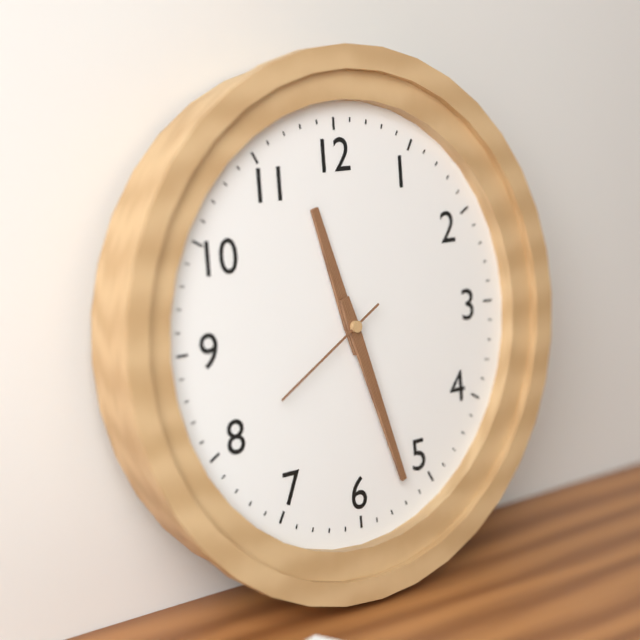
11:27:40
